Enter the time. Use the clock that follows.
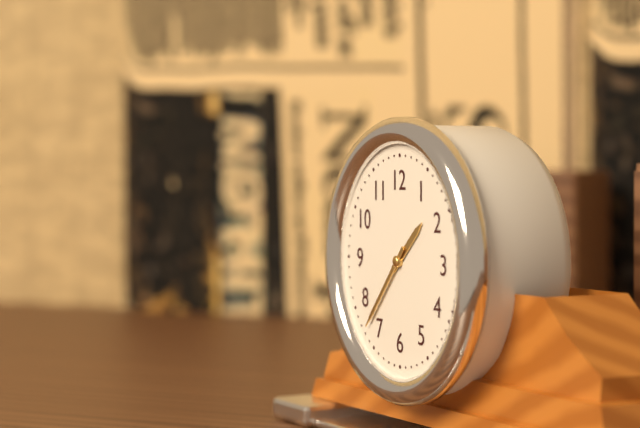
1:37
